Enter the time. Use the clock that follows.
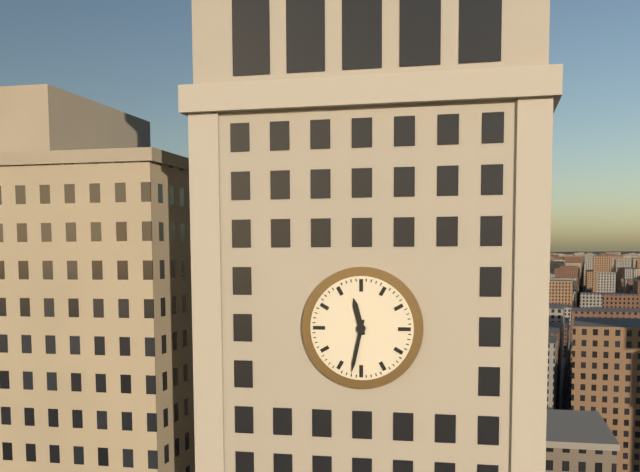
11:32
